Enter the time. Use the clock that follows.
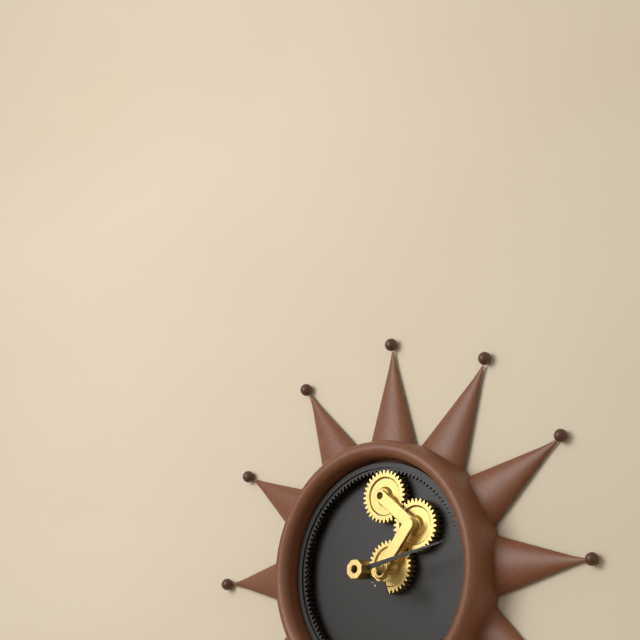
4:13
